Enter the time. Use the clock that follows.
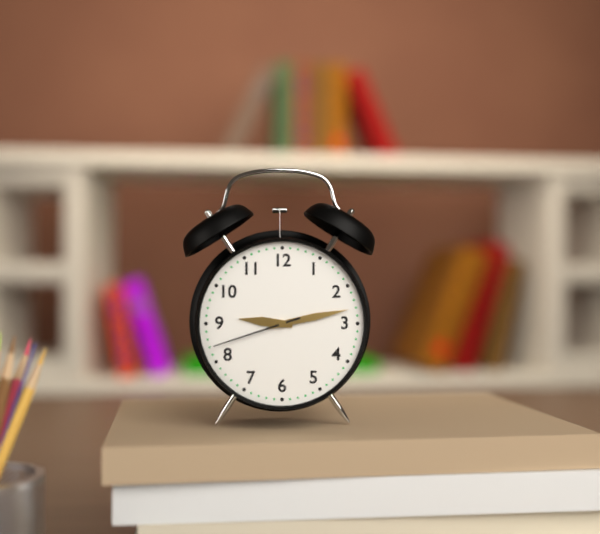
9:13:42
